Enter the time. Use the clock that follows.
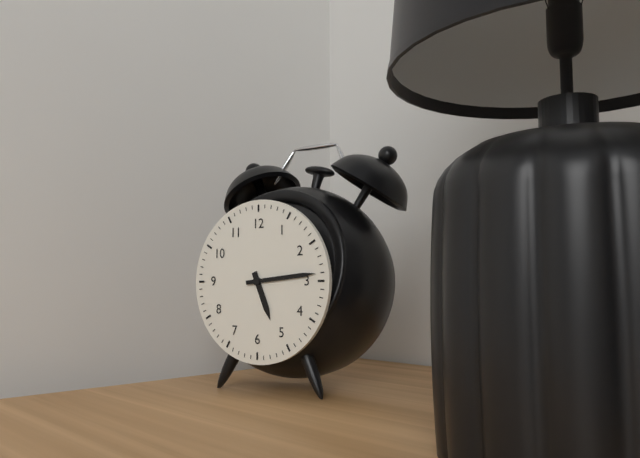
5:14
